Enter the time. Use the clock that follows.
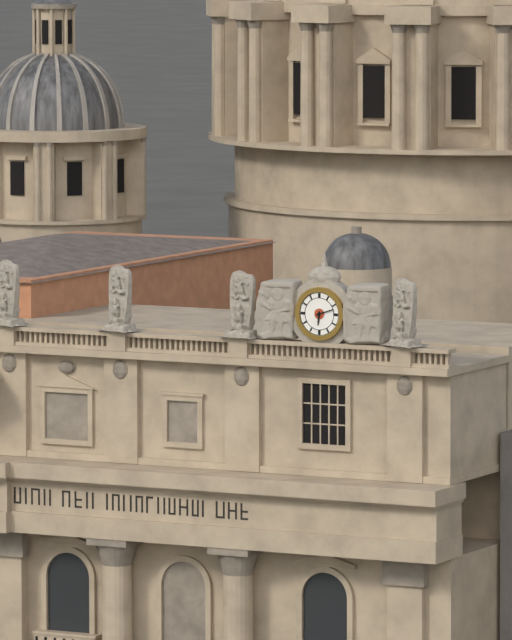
6:12
